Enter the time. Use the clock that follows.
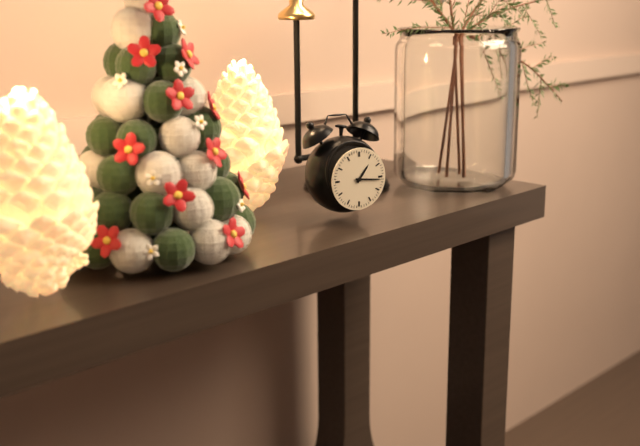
1:16
